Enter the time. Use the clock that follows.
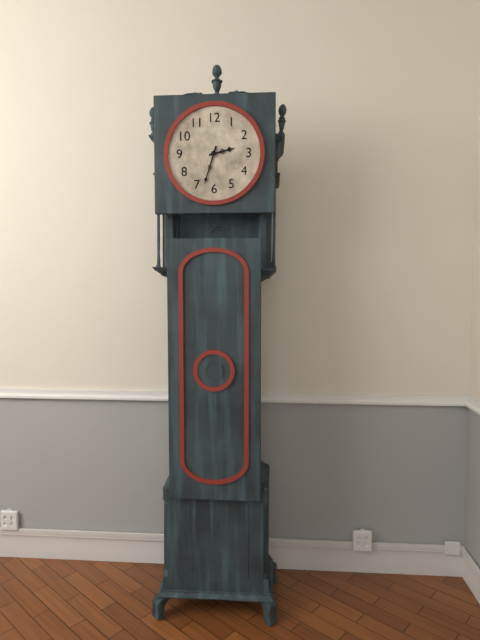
2:33
